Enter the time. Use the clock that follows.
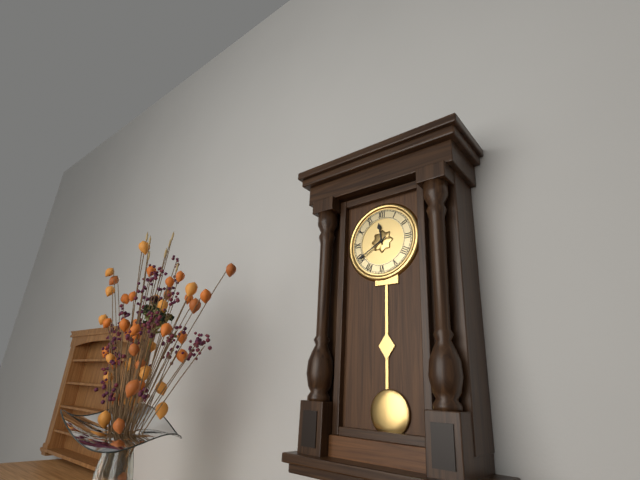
11:40
